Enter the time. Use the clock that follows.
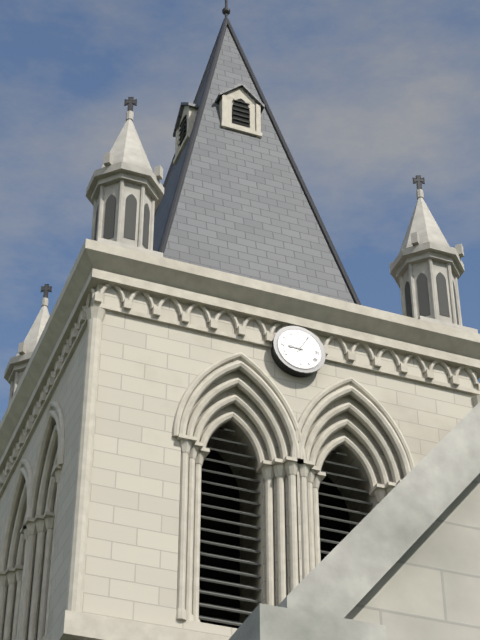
9:05
